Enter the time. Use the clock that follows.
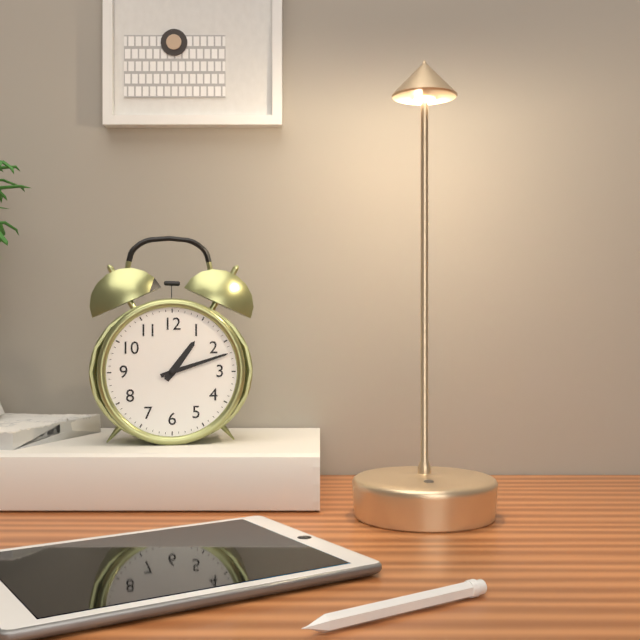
1:12
